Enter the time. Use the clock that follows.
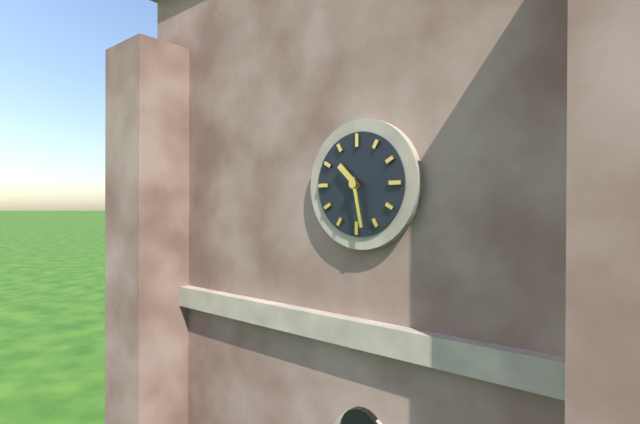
10:28
